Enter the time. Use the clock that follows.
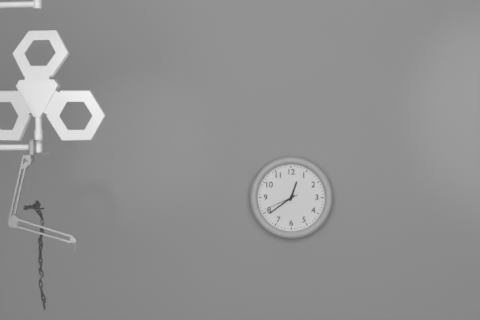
12:39
